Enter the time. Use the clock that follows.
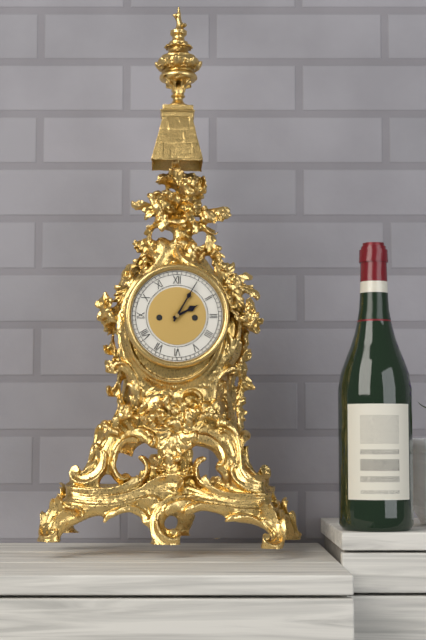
2:05
